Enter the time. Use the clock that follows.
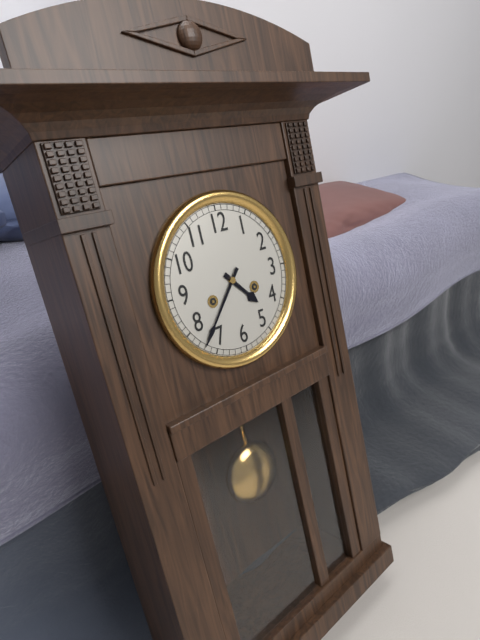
4:37
